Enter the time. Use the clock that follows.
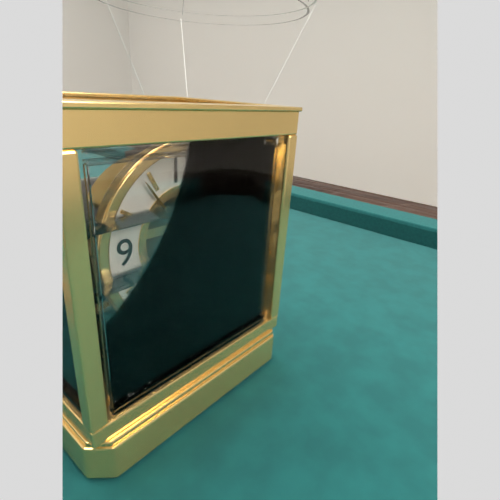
4:54
